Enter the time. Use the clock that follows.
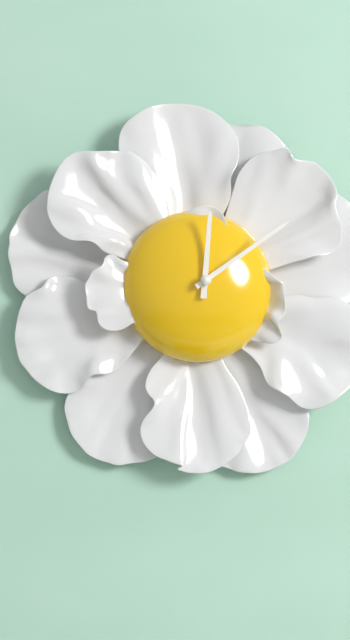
12:09
